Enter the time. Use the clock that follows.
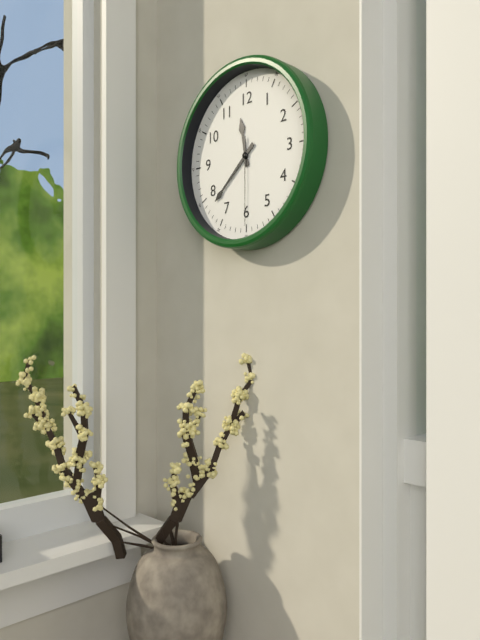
11:38:30
